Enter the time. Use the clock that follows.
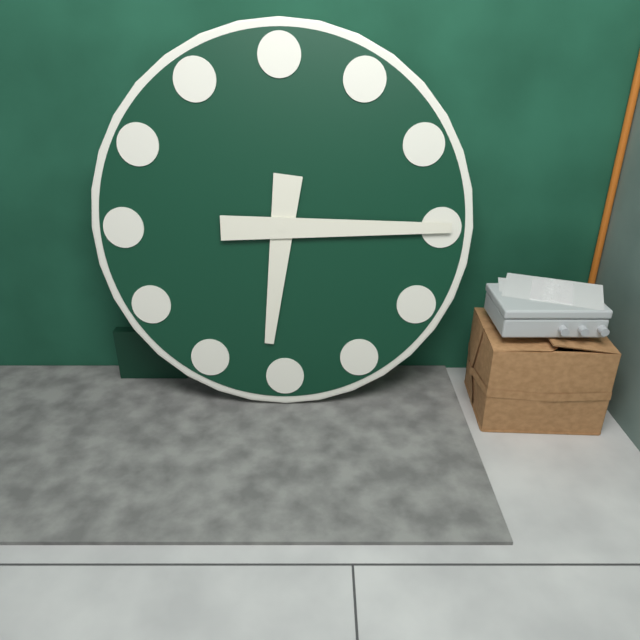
6:15
